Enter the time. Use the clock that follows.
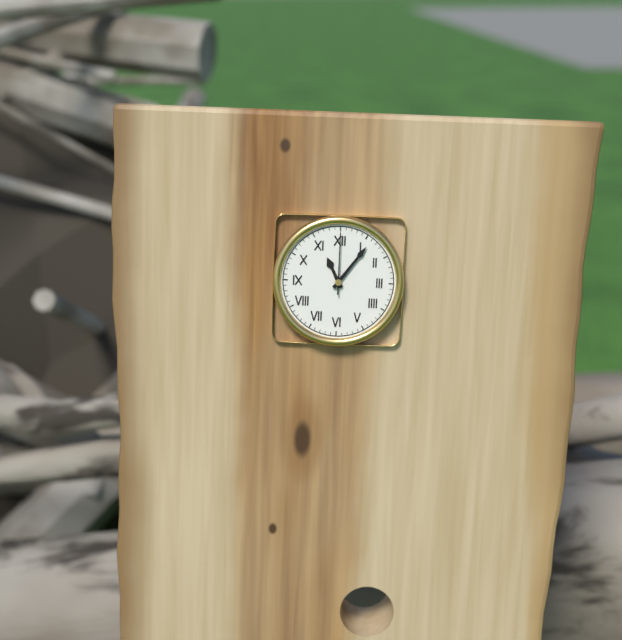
11:06:00
